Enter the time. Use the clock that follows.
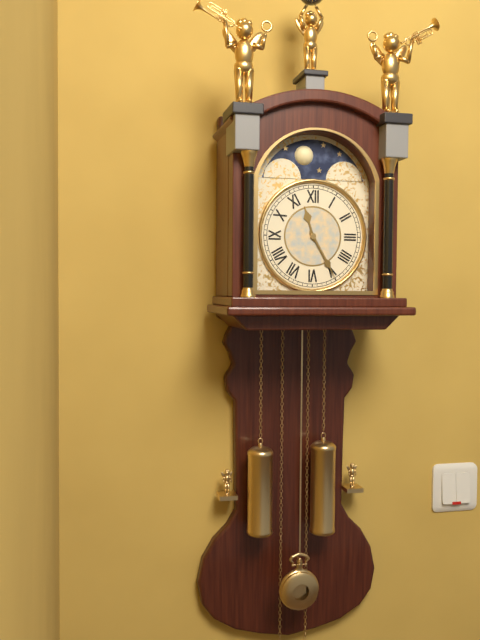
11:25
